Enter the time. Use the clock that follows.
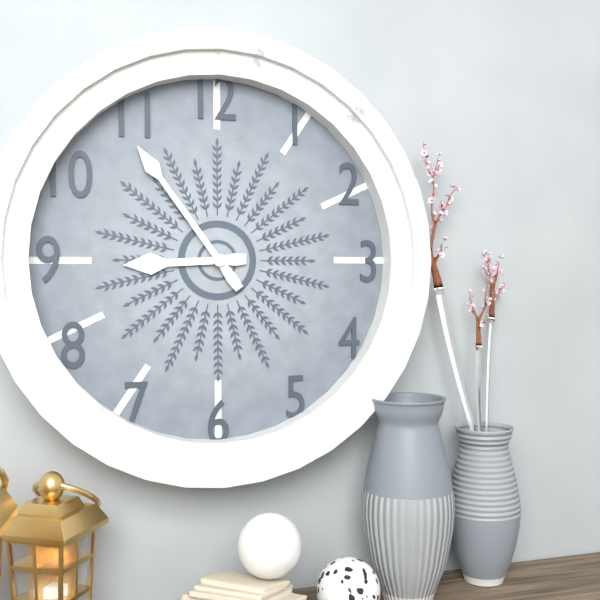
8:54
